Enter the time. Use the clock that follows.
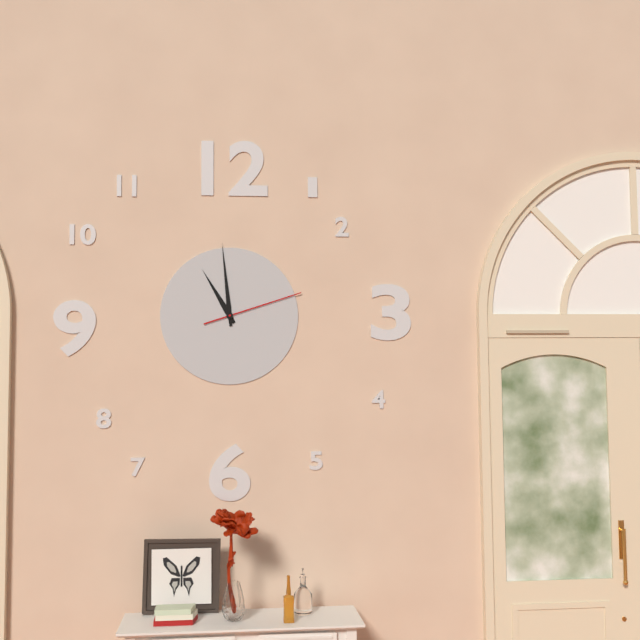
10:59:12
